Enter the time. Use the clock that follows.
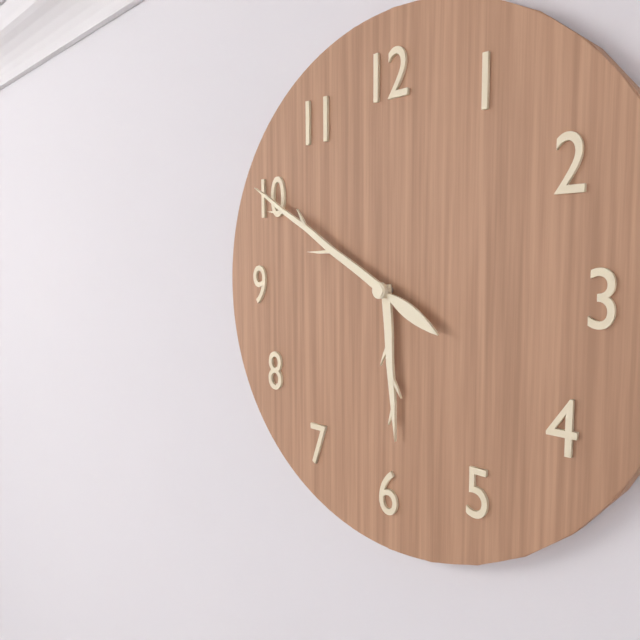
5:50
